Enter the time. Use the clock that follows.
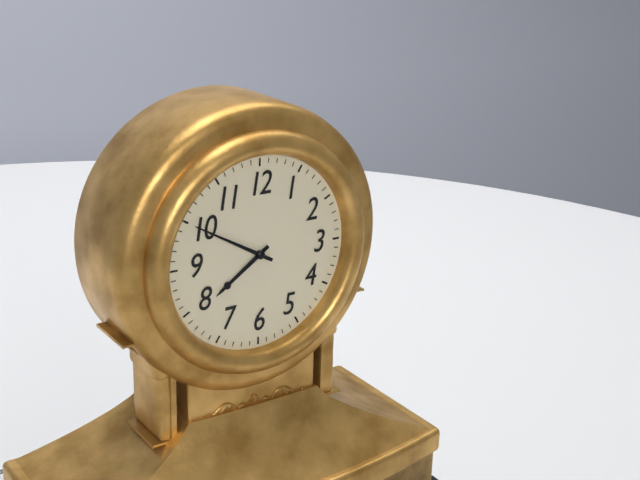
7:50
